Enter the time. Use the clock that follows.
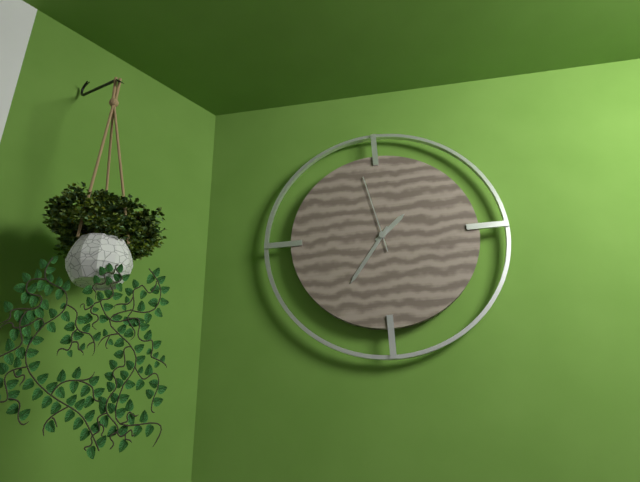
1:36:58
